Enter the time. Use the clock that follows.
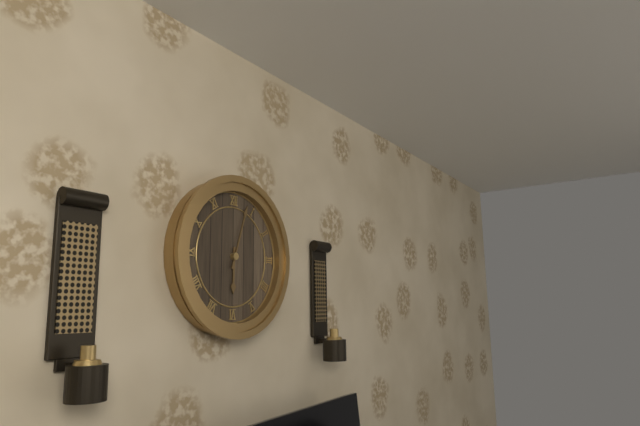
6:03
